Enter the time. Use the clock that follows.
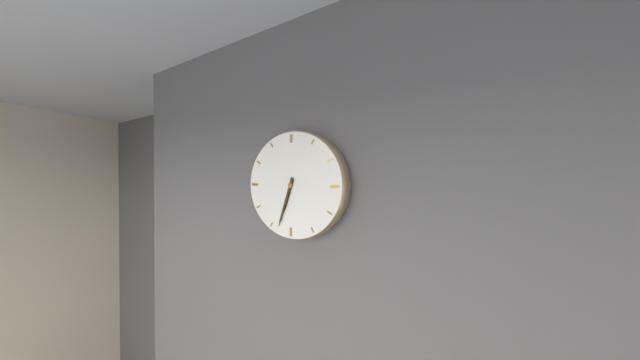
6:33
